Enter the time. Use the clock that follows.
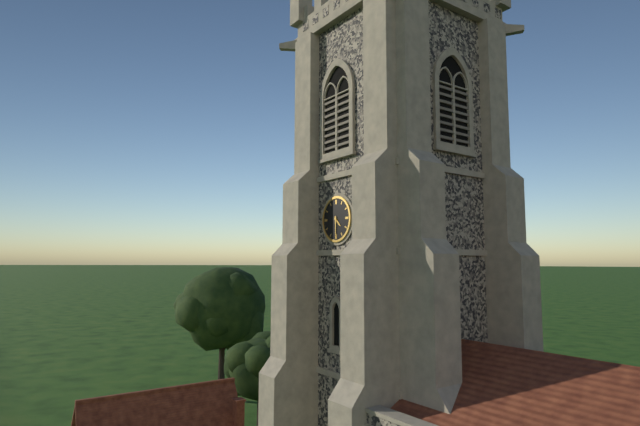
4:30
